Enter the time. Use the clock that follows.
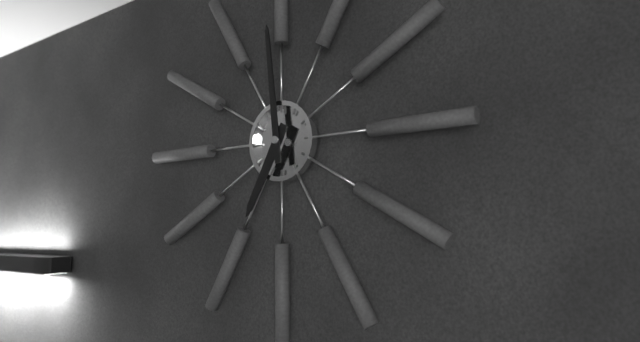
6:59
